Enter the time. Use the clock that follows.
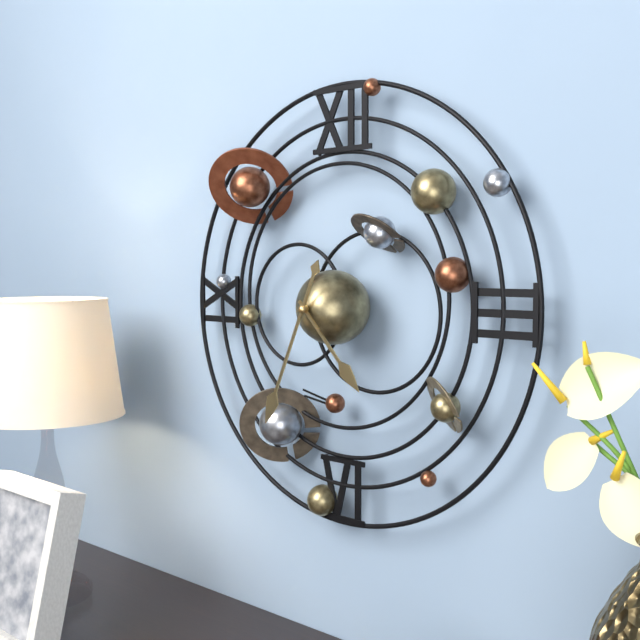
4:34
